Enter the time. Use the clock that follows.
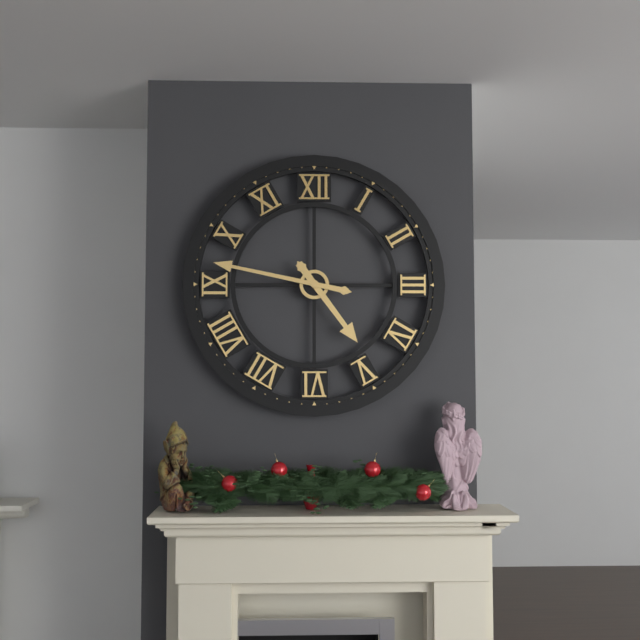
4:47
